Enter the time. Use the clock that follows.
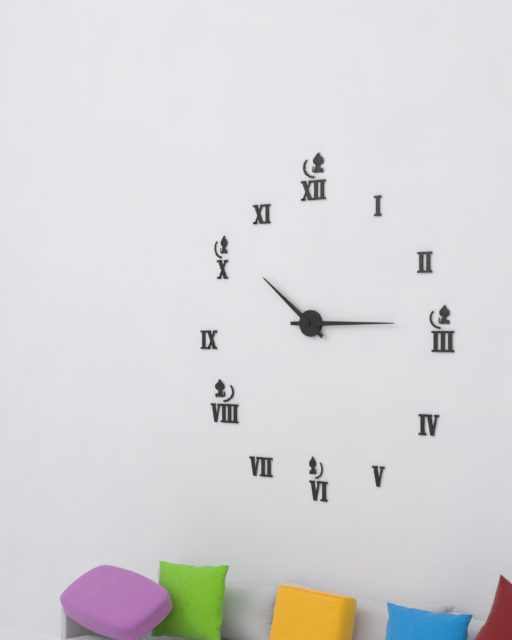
10:15
